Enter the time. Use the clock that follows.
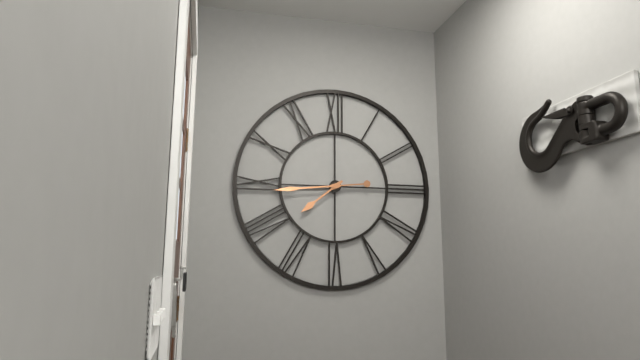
7:44
